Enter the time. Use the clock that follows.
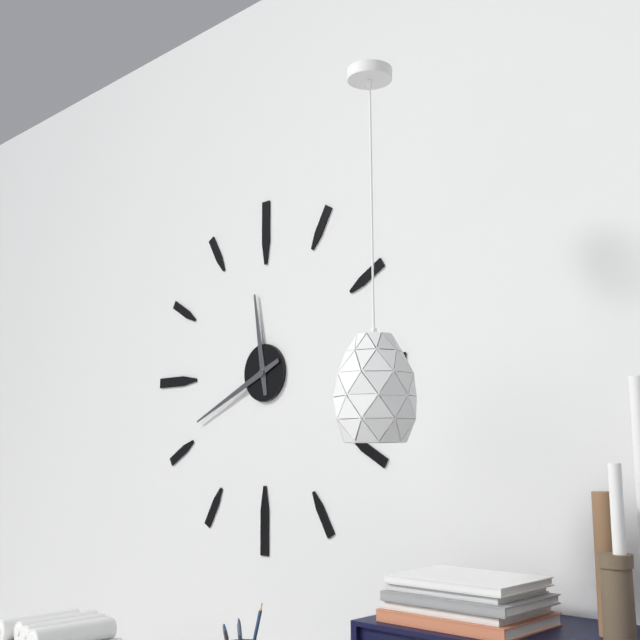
11:41
